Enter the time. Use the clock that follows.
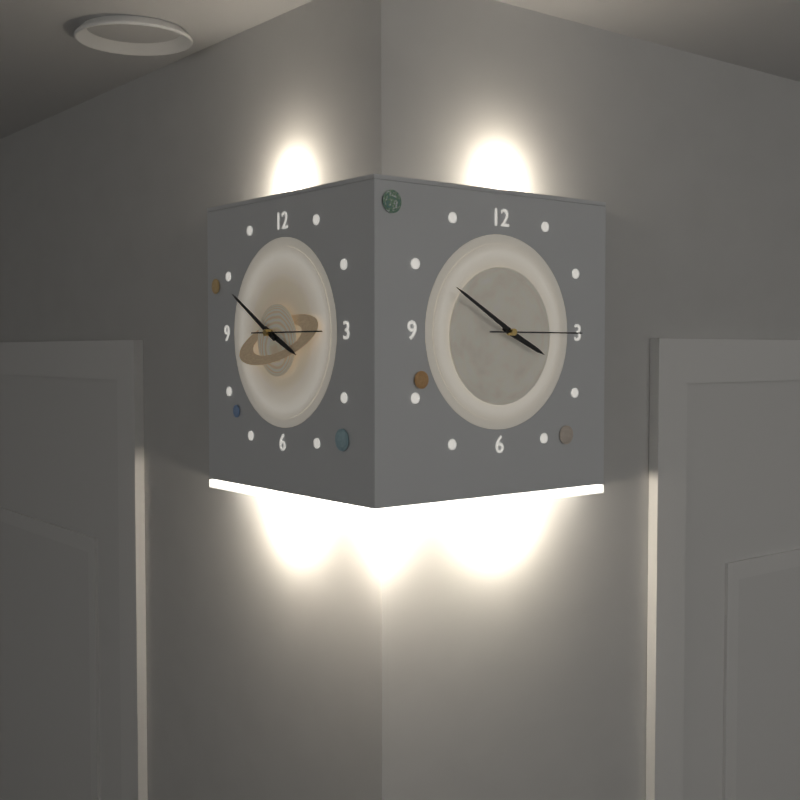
3:50:15
